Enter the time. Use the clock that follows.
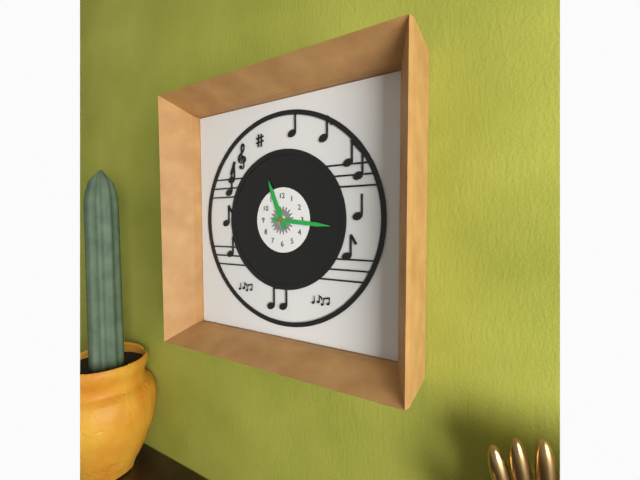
11:16
